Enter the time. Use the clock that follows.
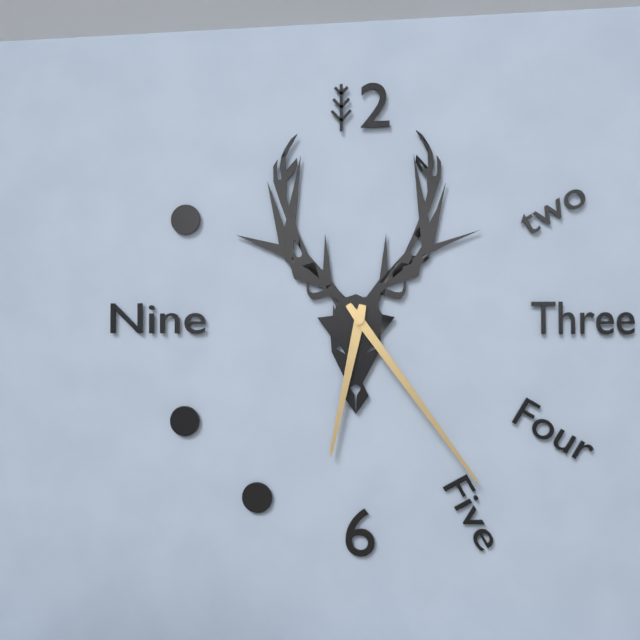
6:24
